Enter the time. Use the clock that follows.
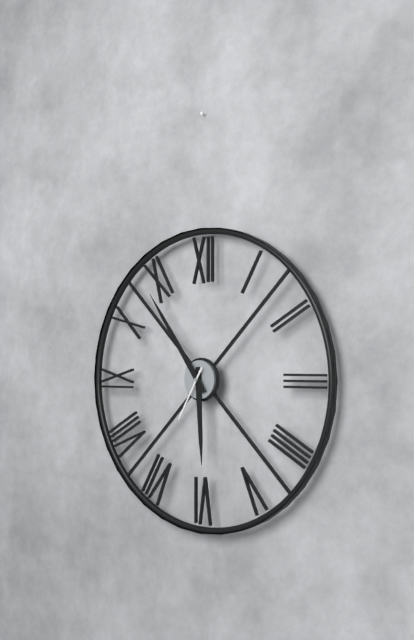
5:54:35
